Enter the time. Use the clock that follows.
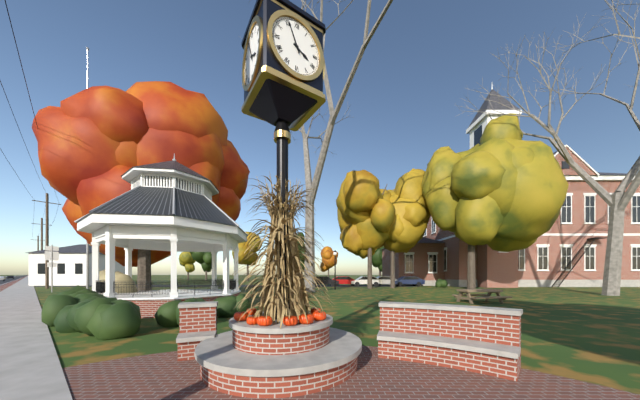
3:56
